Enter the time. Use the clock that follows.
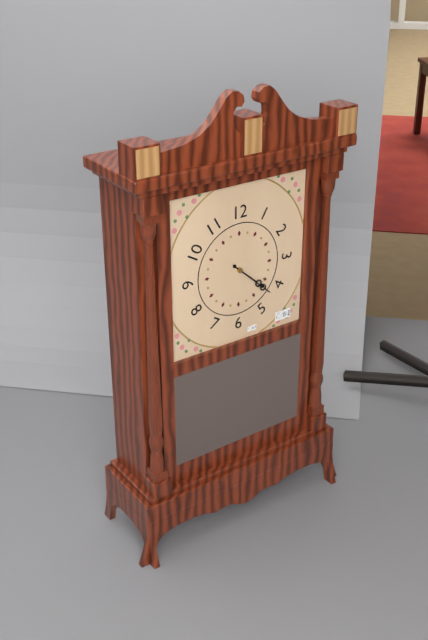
4:22
